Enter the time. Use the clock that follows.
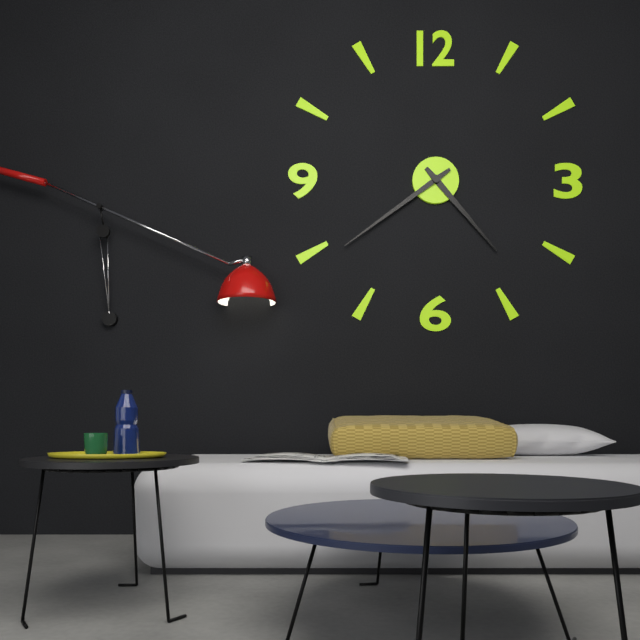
4:39
